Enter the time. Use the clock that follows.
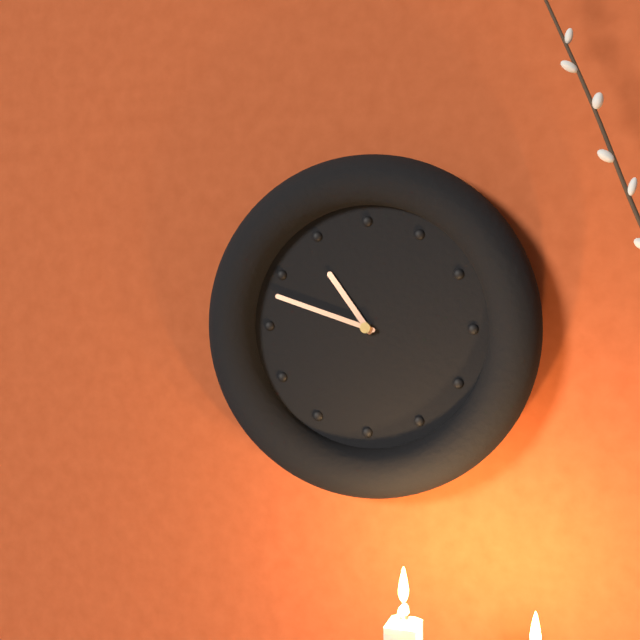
10:48
